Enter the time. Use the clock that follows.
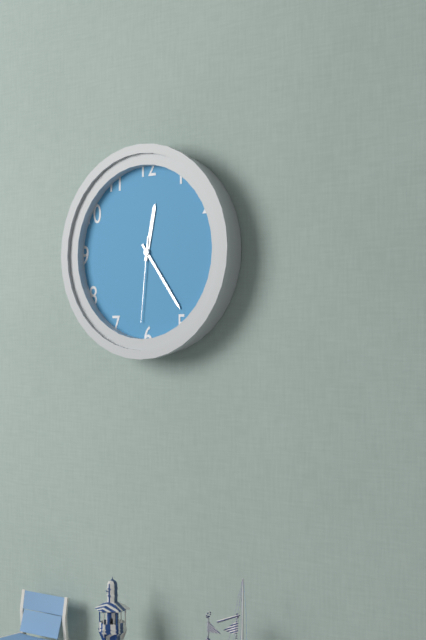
12:24:31
